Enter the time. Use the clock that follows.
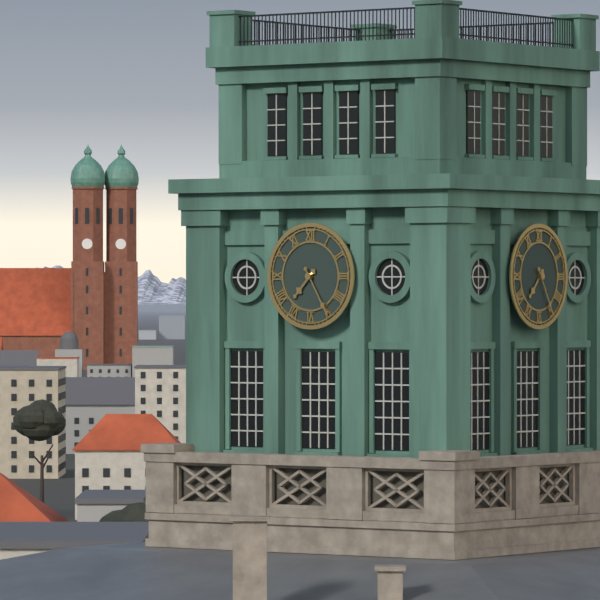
7:25
